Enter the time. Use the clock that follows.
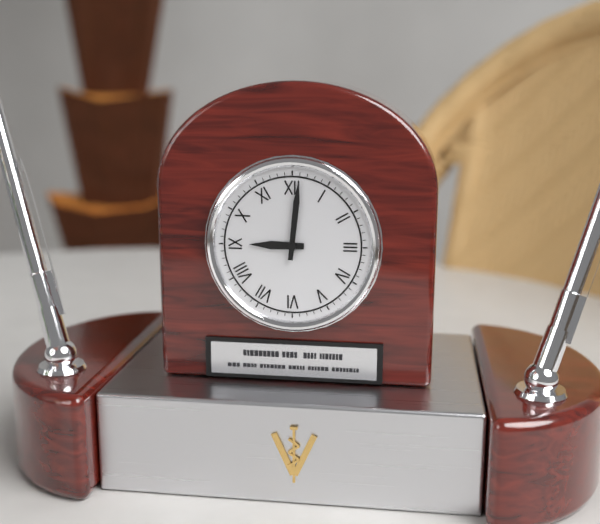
9:01
